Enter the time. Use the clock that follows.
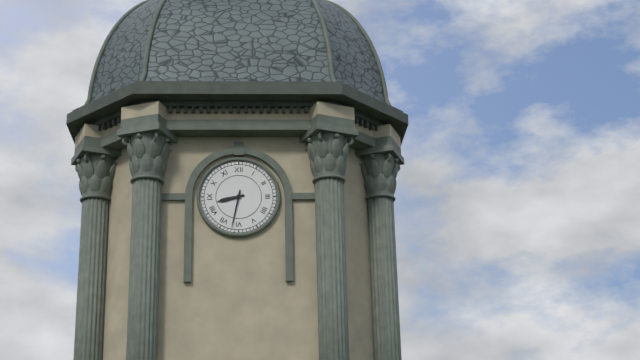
8:32
